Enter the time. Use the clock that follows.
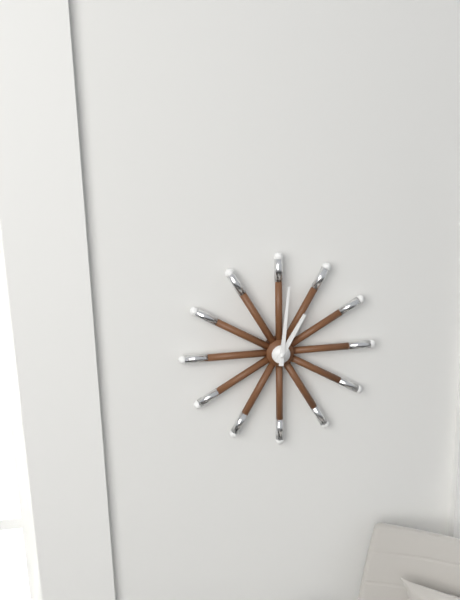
1:01
